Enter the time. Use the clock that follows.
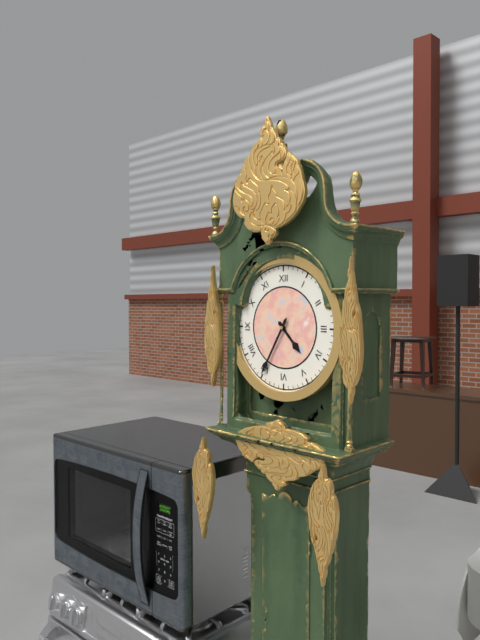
4:35
